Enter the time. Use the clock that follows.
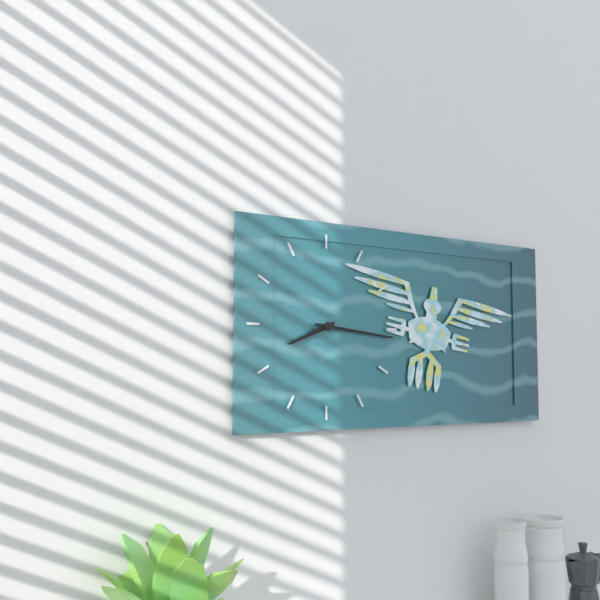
8:16
